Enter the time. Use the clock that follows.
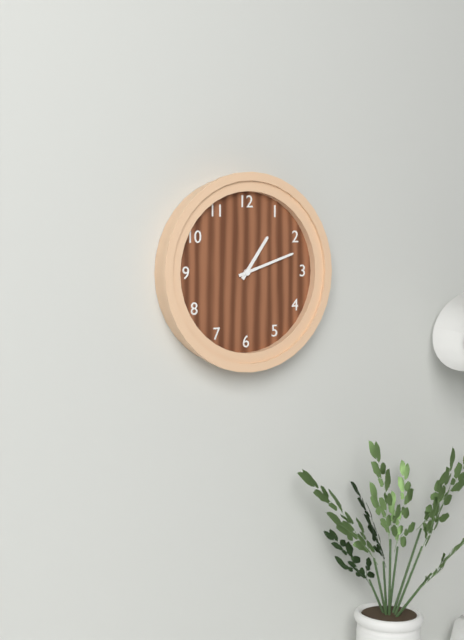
1:12
